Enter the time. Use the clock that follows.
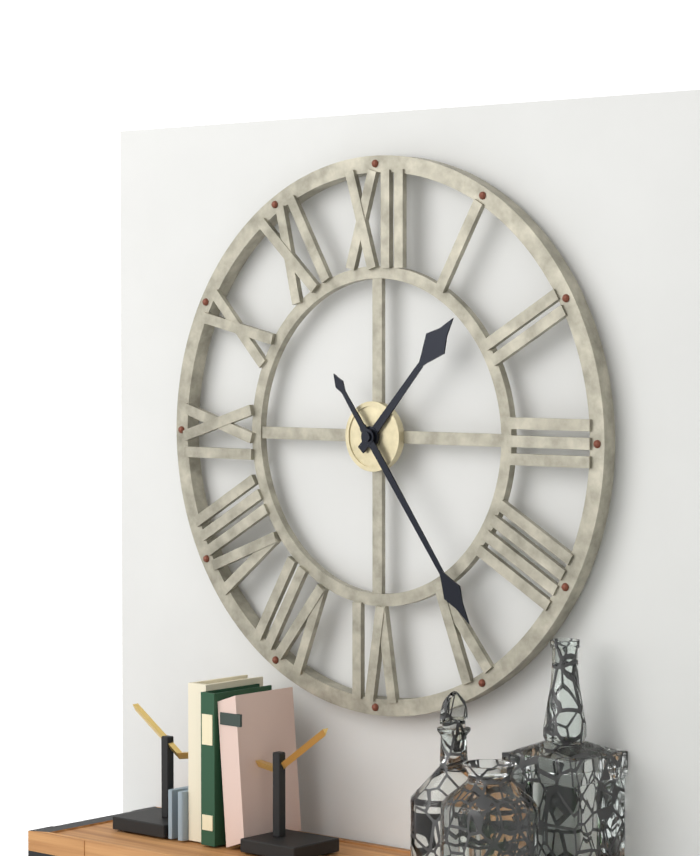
1:24
